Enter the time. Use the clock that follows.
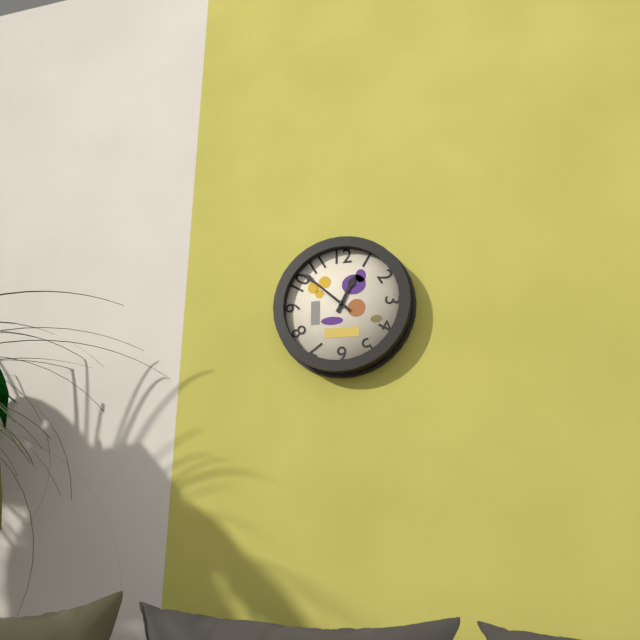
12:52
